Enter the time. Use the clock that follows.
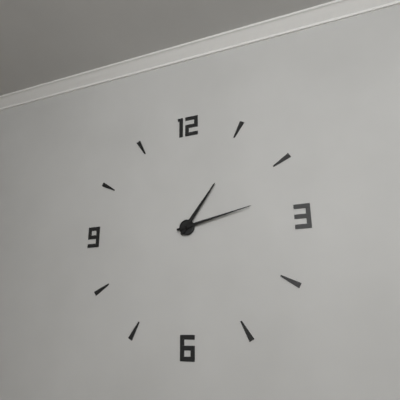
1:13
